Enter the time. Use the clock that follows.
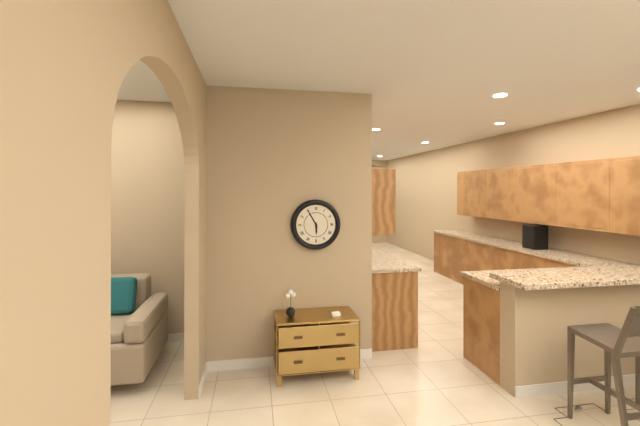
5:55
